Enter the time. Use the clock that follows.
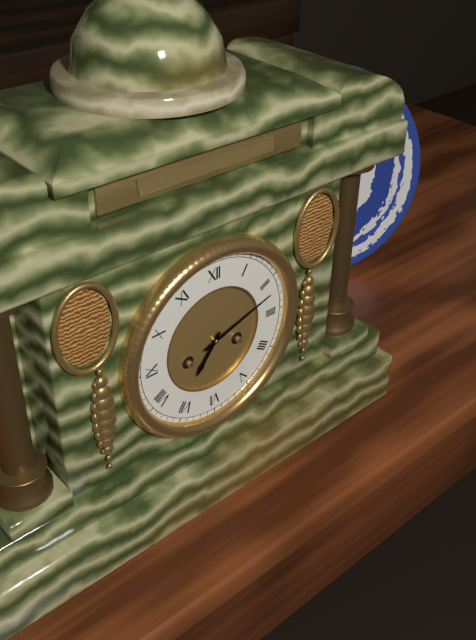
7:12
